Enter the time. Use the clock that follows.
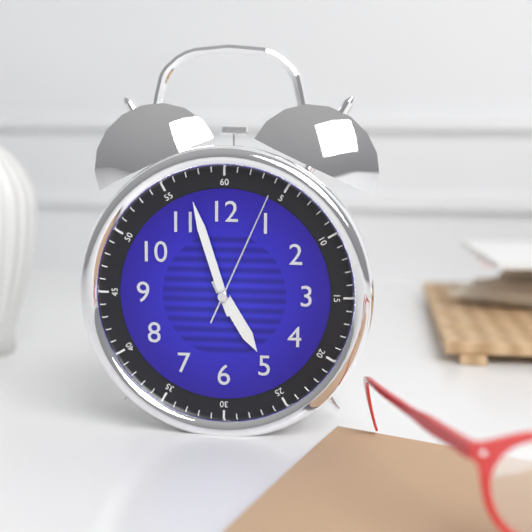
4:57:04
